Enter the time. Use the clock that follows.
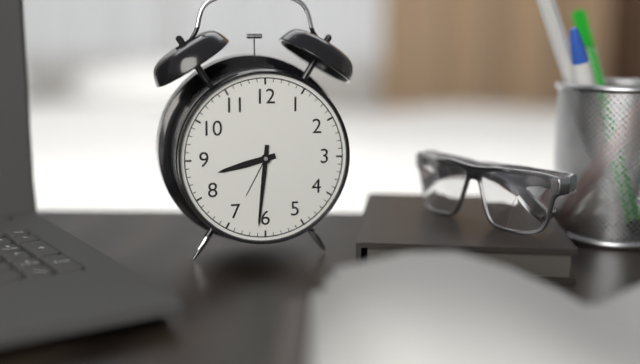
8:31
